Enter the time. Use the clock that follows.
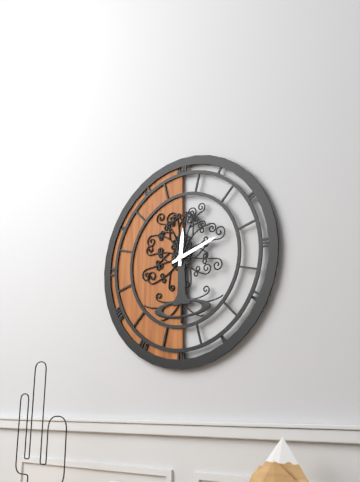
12:12
